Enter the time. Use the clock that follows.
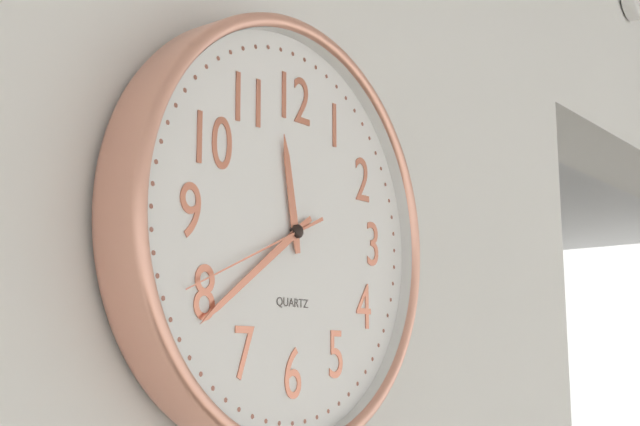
11:39:41
